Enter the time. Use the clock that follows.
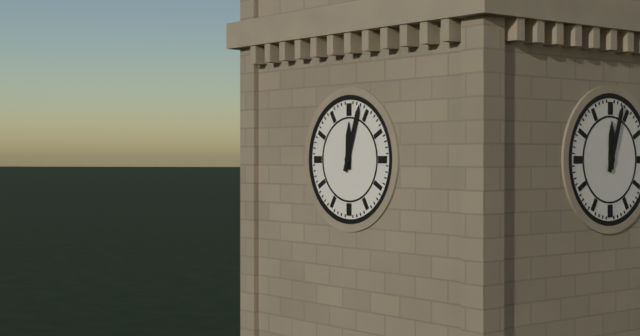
12:03
